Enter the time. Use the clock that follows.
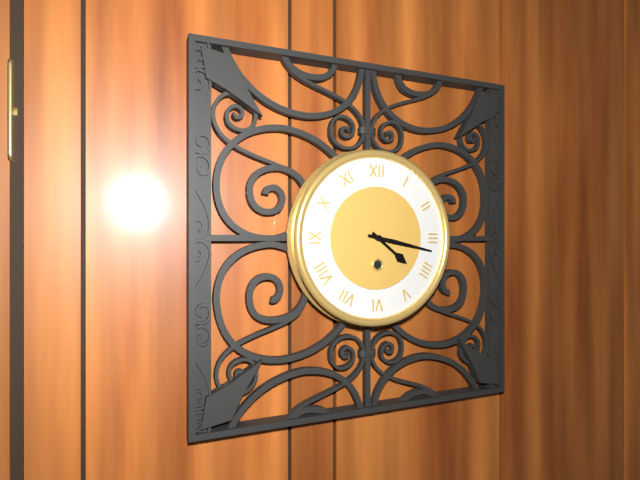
4:17
